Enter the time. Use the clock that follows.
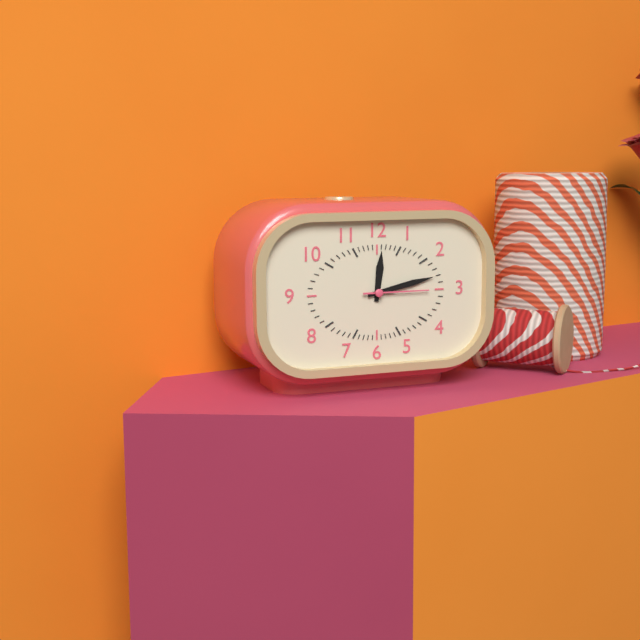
12:13:15
